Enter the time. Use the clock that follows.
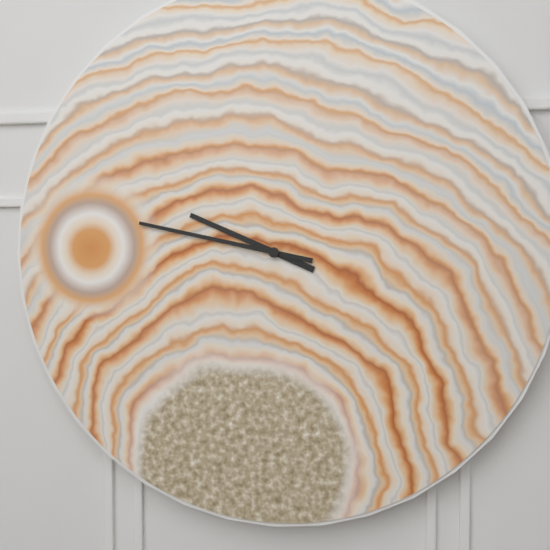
9:47
